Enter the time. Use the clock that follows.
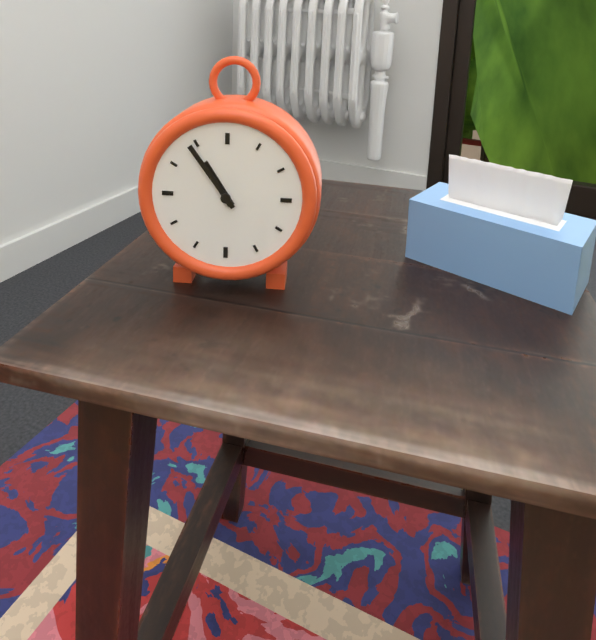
10:54
